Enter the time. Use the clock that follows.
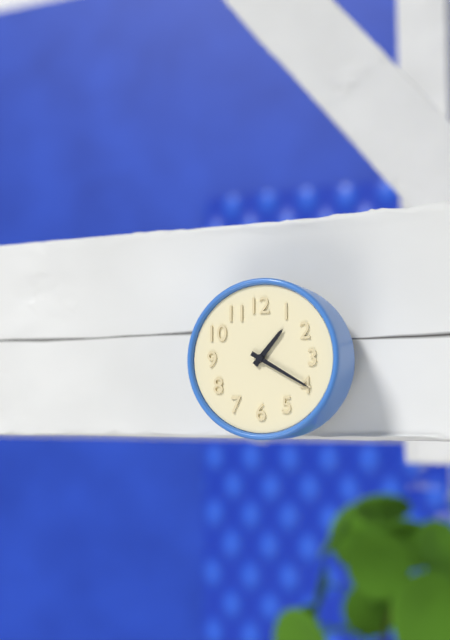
1:20
